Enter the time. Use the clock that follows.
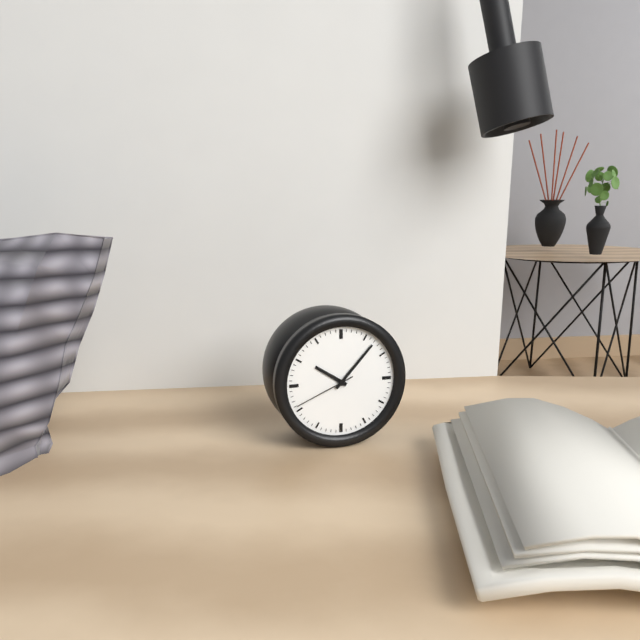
10:07:41
